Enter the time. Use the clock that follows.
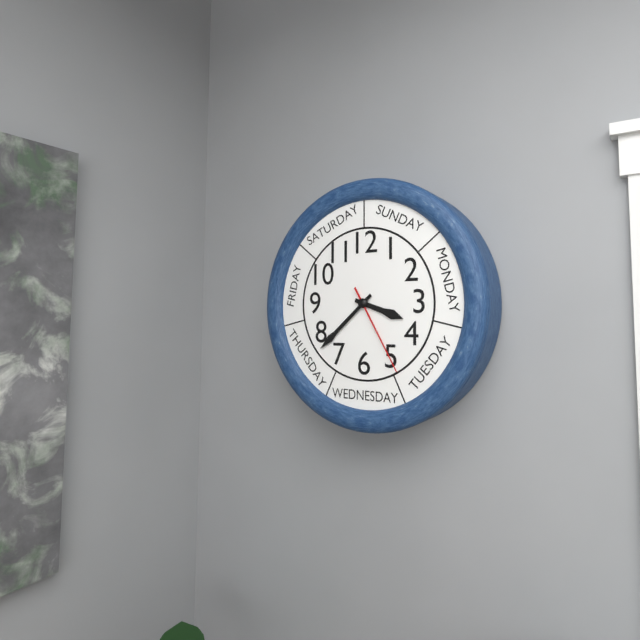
3:38:25
